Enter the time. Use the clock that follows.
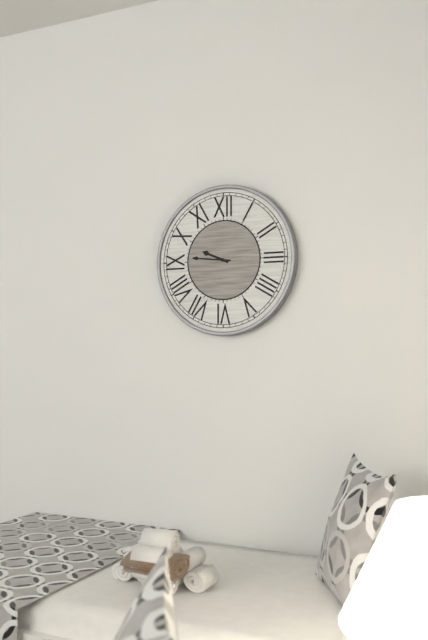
9:46
